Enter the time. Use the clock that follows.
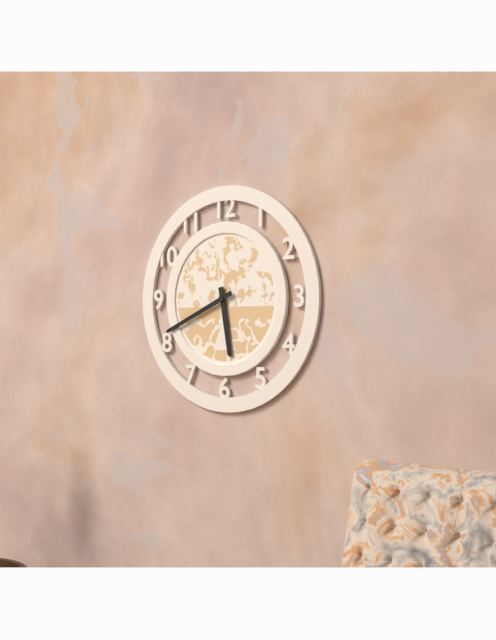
5:41
